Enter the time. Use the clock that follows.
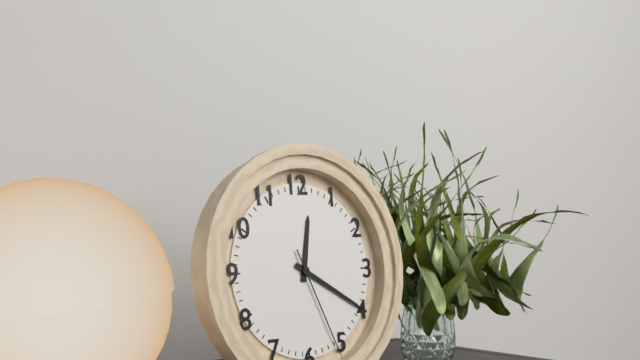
12:20:26
